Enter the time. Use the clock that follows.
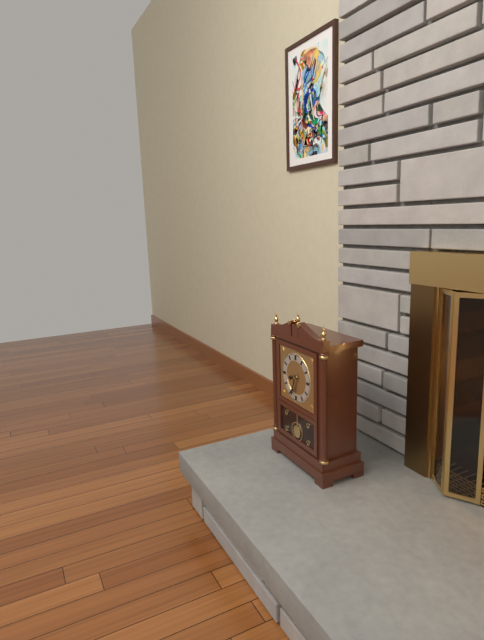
8:33
